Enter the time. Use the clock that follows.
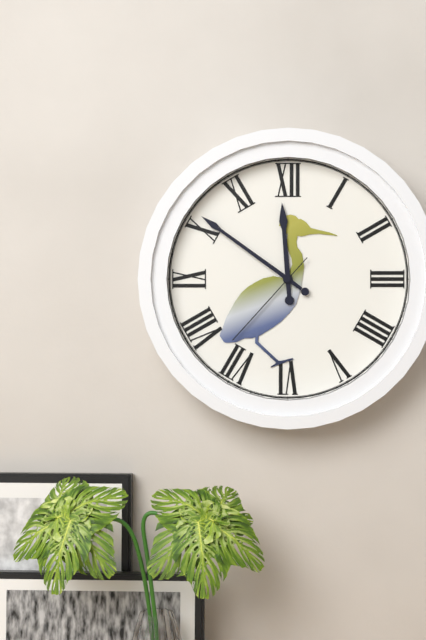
11:51:37
